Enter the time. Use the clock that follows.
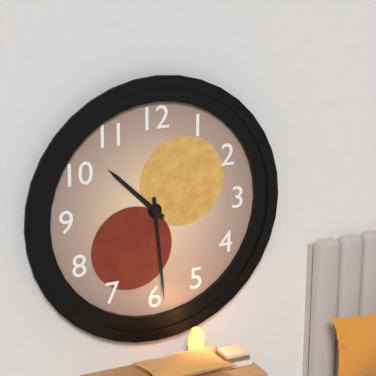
10:29
